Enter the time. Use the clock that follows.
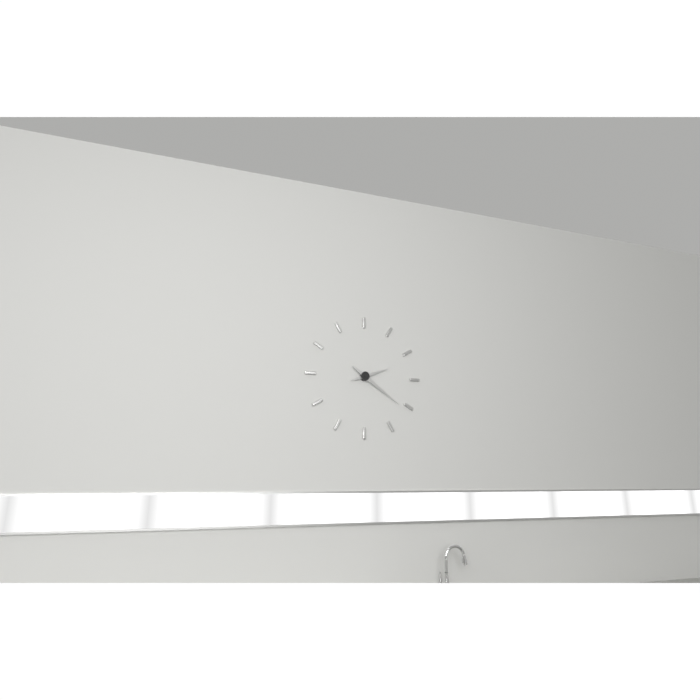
2:21
